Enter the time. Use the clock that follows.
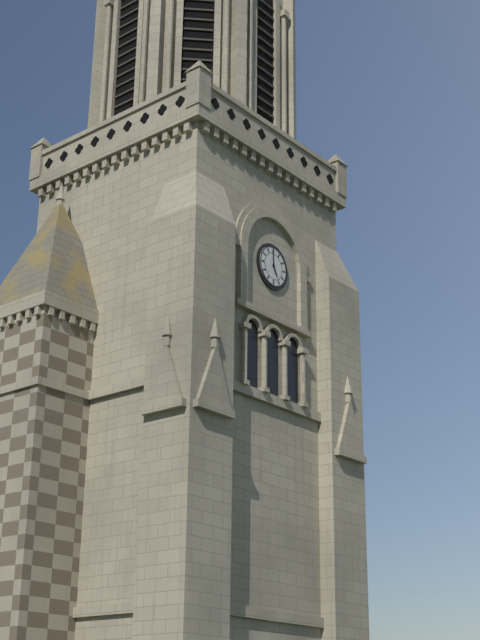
4:59
